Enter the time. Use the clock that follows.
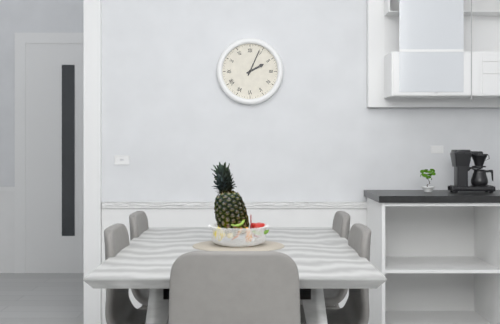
2:04
